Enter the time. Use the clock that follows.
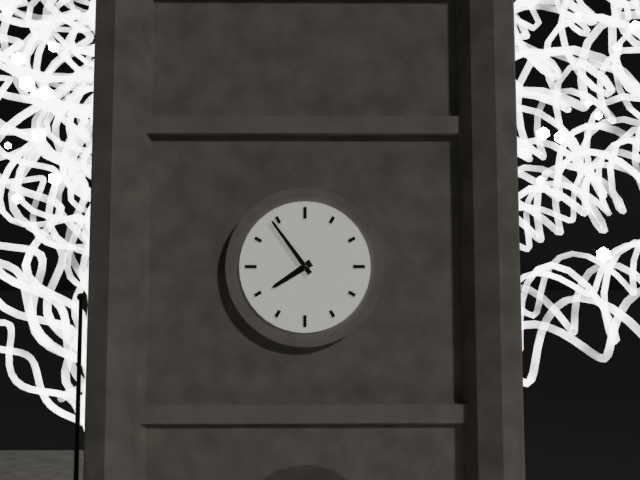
7:54
